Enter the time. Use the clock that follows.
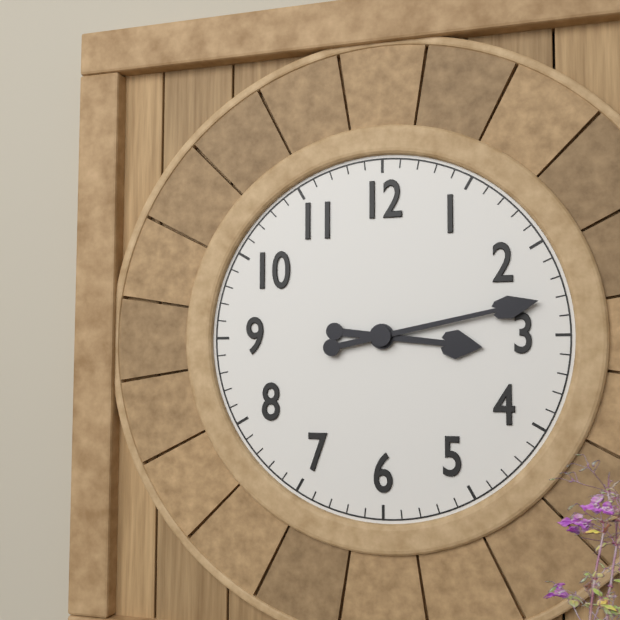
3:13
